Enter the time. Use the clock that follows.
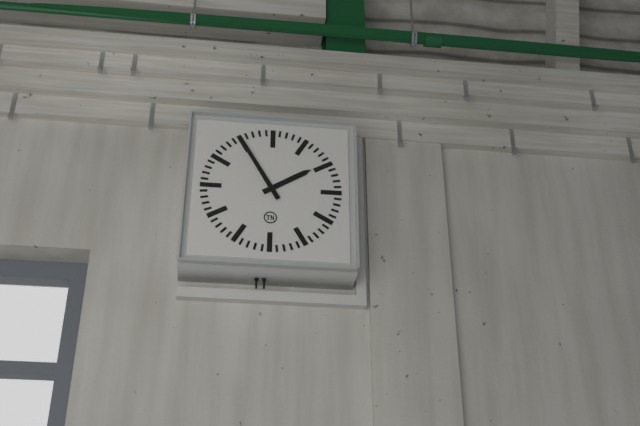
1:55
